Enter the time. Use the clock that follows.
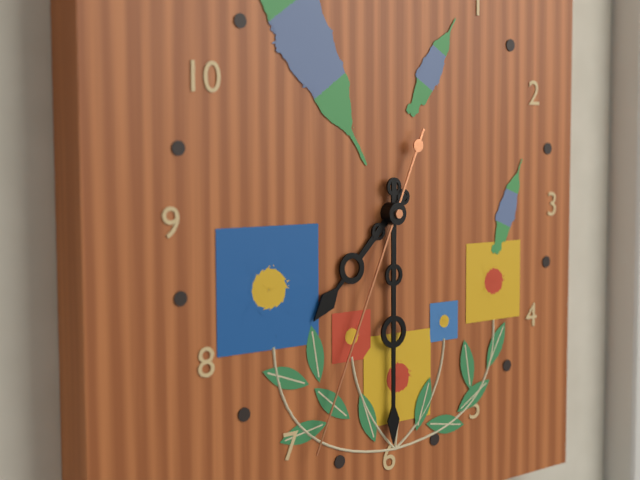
7:30:34
